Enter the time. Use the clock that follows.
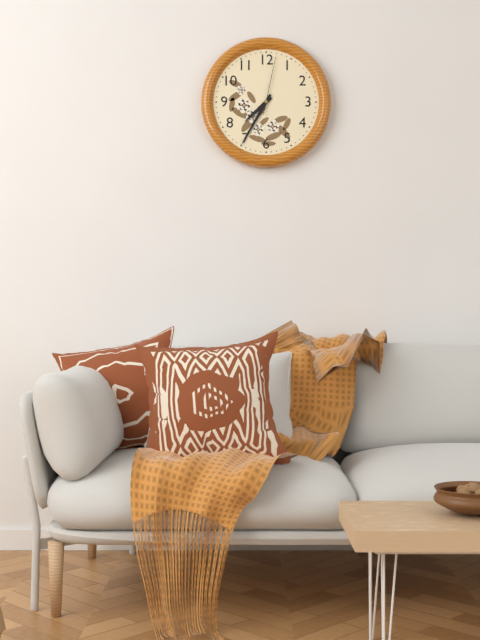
7:35:02
